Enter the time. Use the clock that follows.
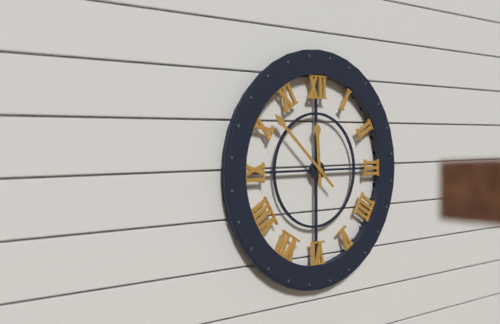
11:52
